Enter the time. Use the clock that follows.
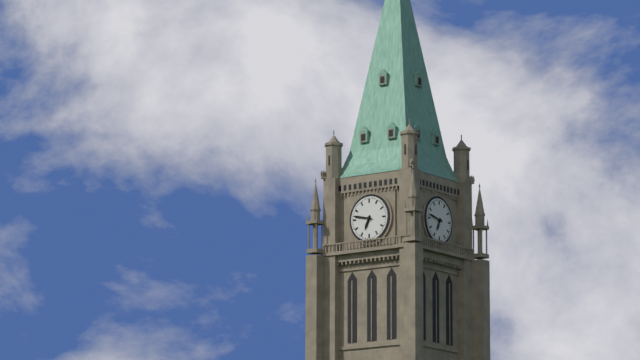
6:47
